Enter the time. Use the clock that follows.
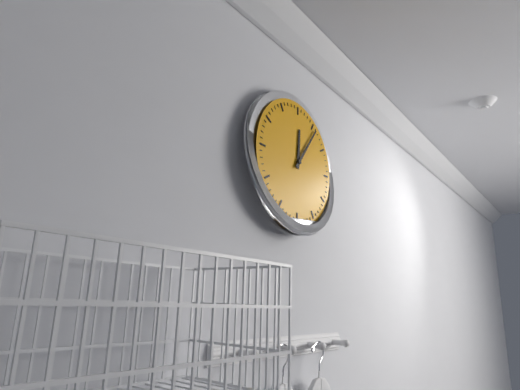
12:06
